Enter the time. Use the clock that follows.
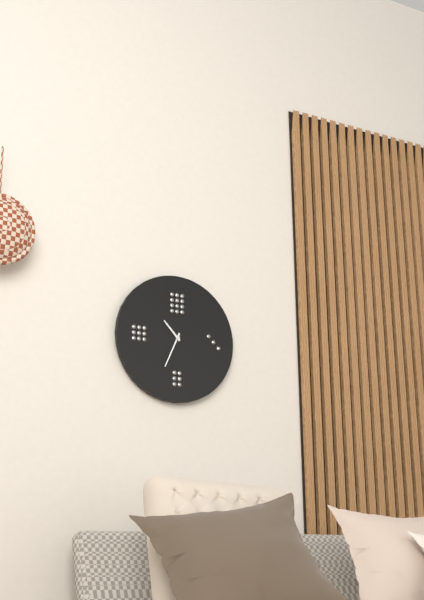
10:34
